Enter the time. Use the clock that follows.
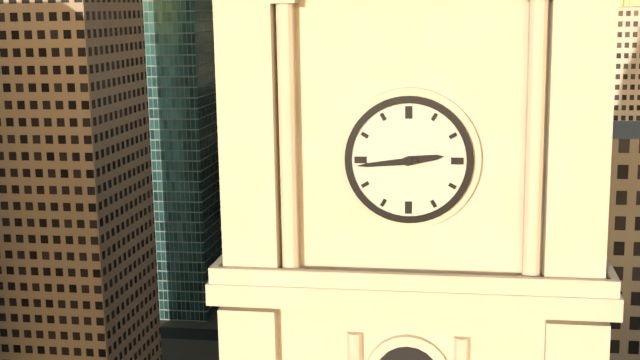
2:44
